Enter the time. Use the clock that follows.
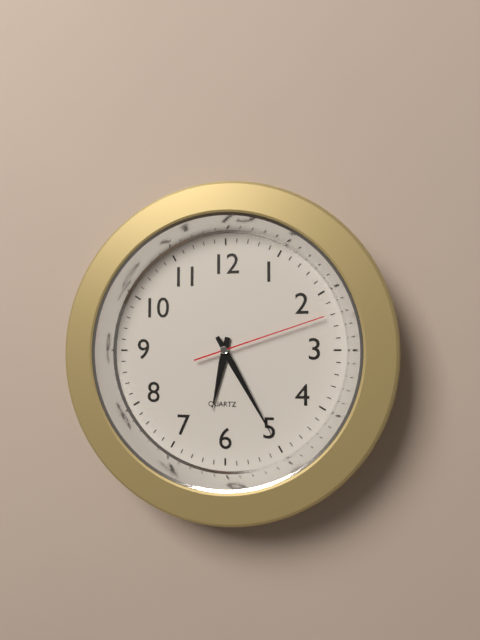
6:25:12
